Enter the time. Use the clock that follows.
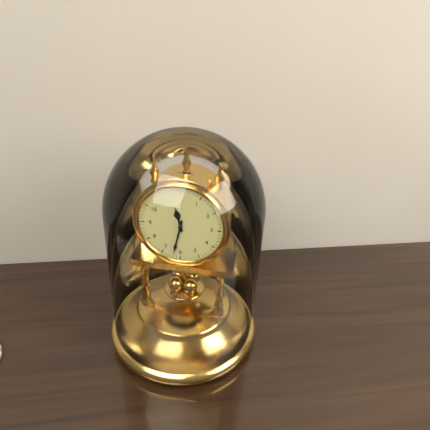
11:32
